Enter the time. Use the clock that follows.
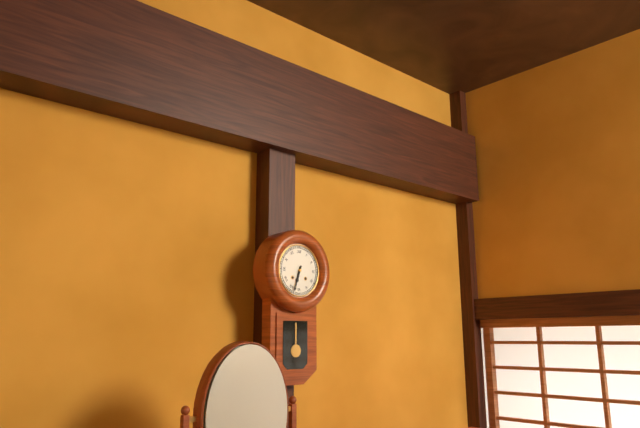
6:33
